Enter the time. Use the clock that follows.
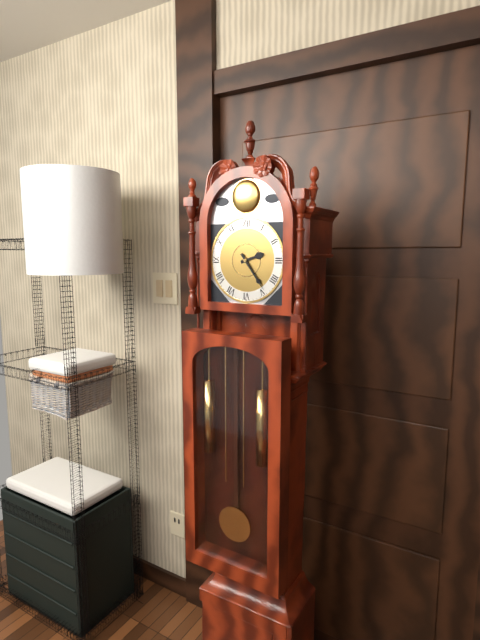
2:24
